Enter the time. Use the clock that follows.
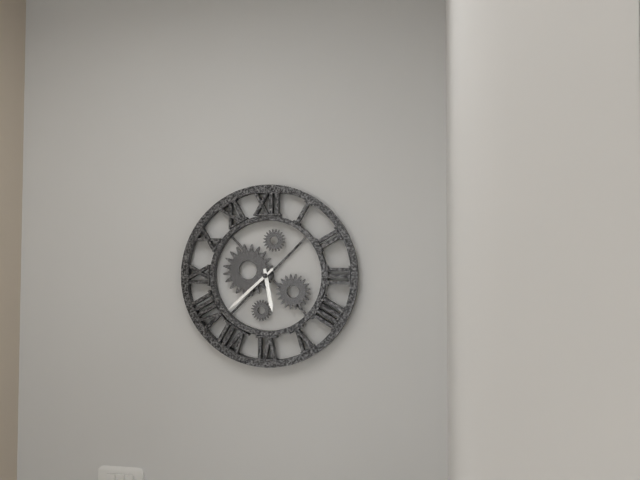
5:38
